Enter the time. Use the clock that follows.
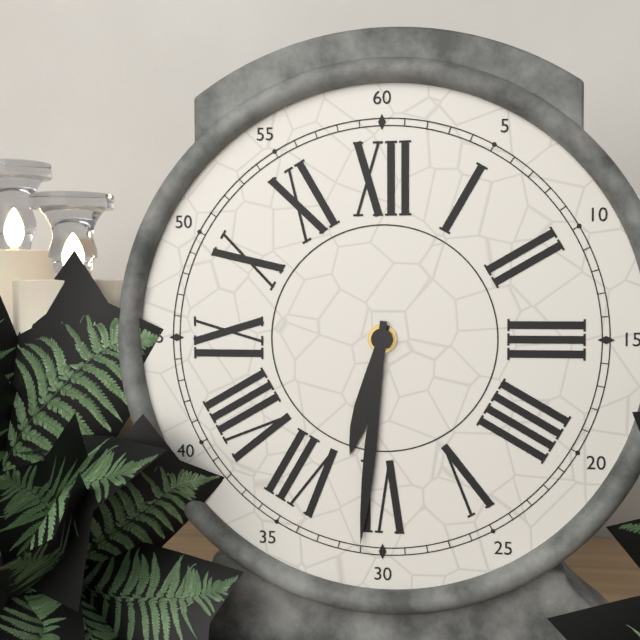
6:31
